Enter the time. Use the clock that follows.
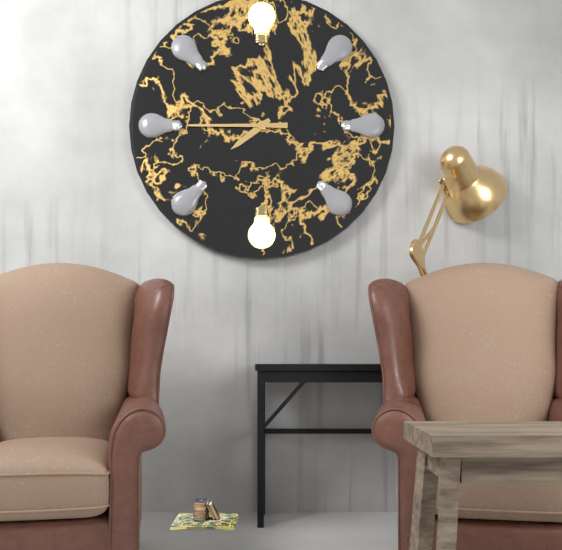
7:45
